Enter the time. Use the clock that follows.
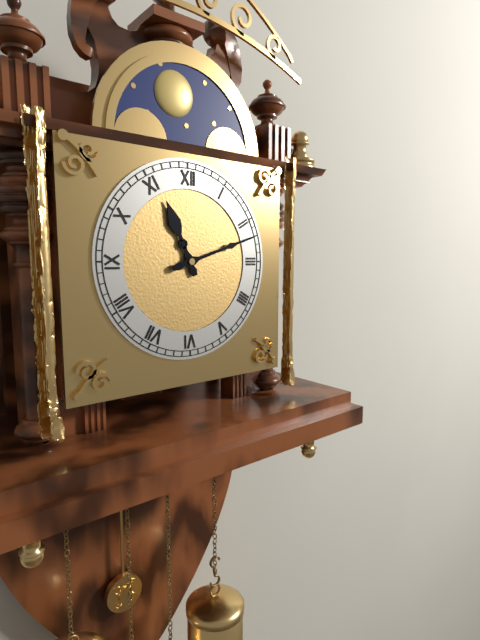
11:12
